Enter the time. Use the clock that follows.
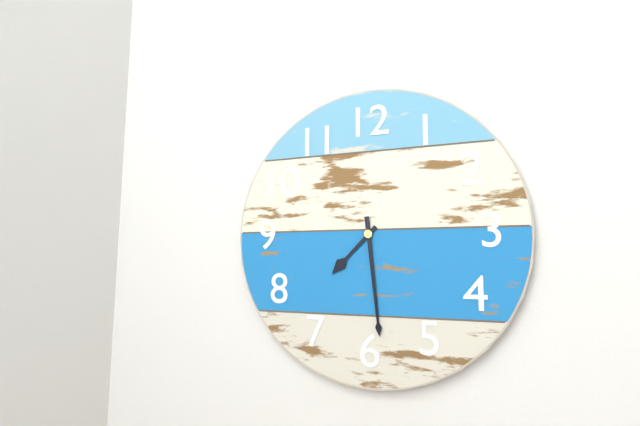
7:29
